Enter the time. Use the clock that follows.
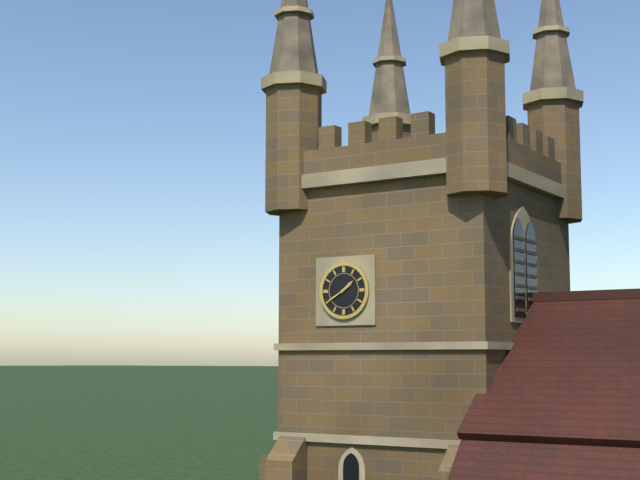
1:40
